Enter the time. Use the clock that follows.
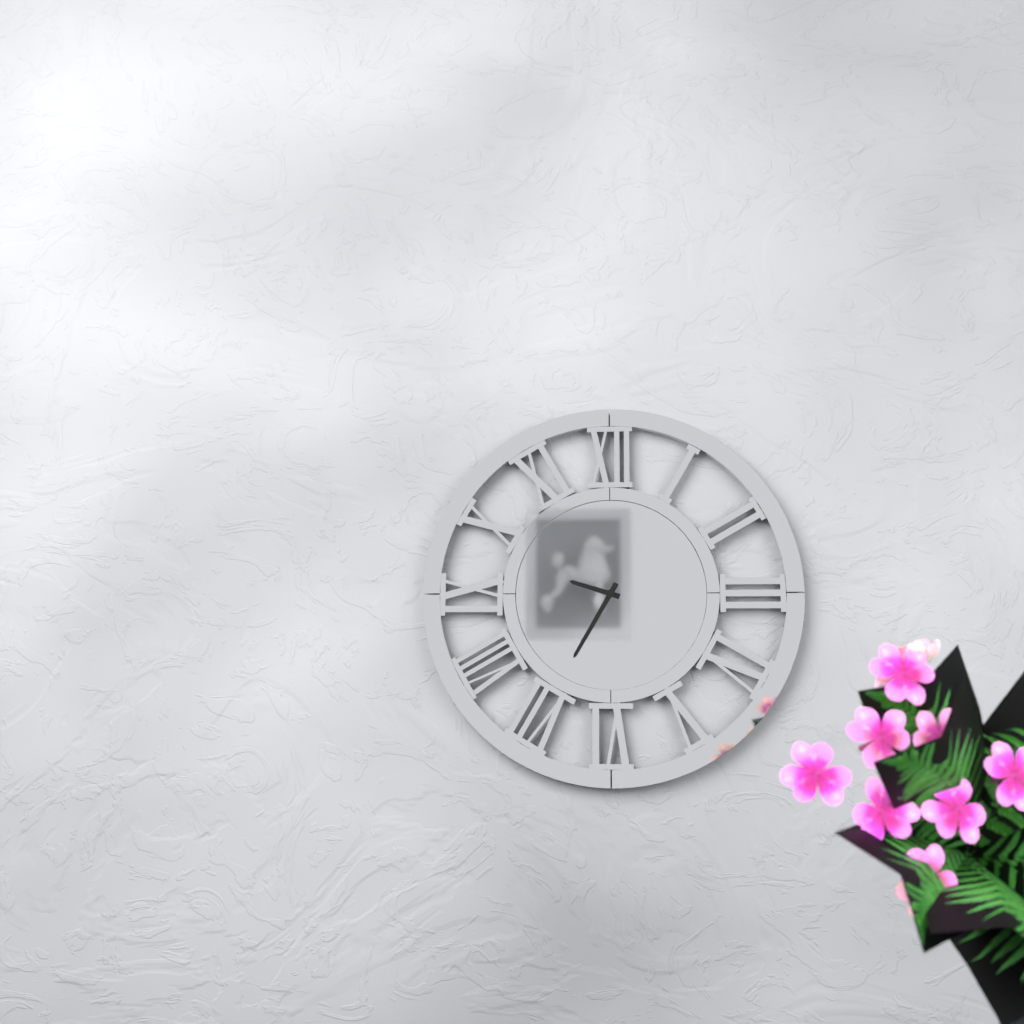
9:35
